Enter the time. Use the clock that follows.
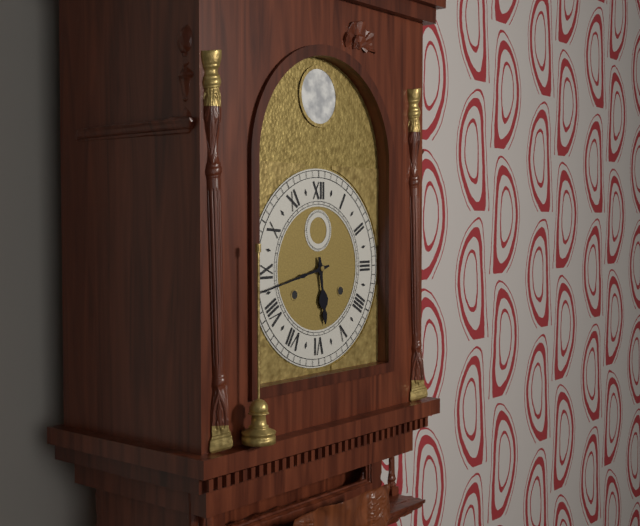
5:43
